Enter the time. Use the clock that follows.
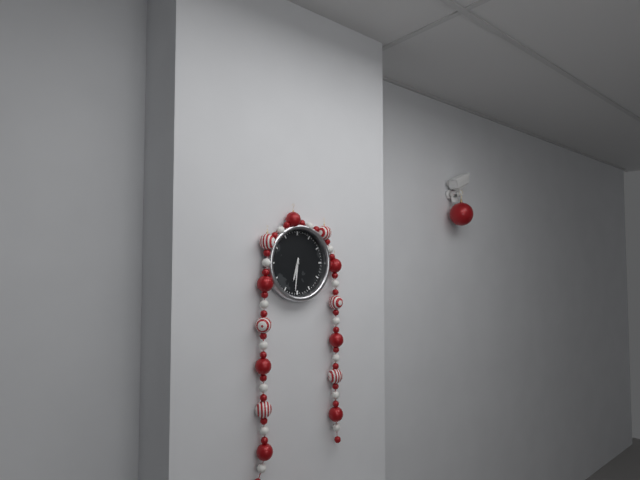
6:31
